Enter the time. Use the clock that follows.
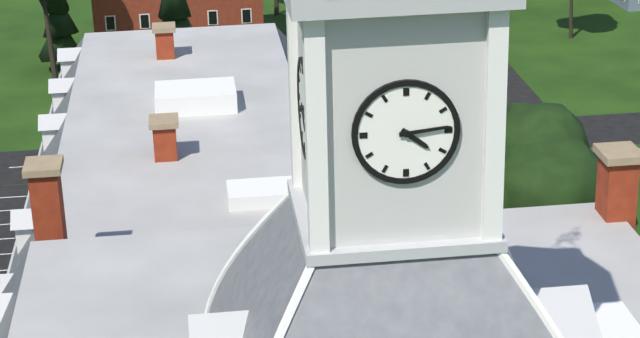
4:14
